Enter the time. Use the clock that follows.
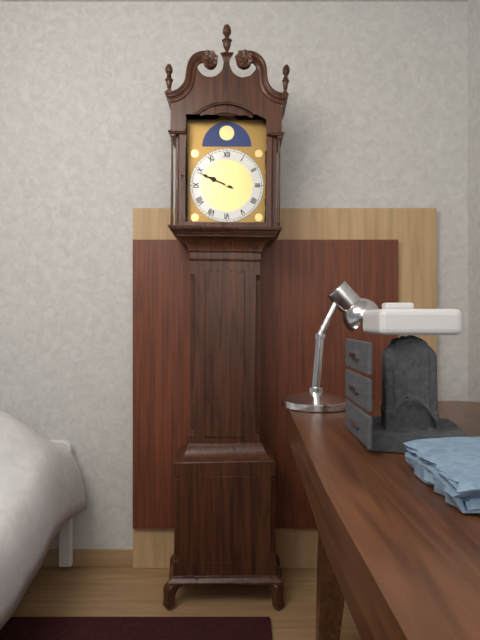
9:49
